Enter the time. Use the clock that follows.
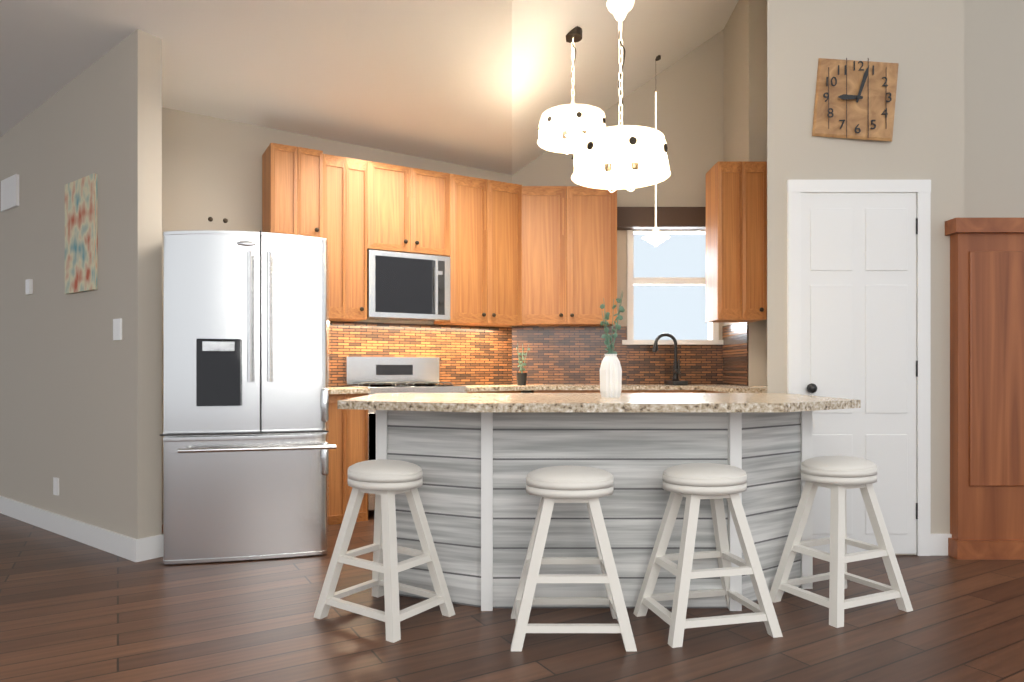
9:03
